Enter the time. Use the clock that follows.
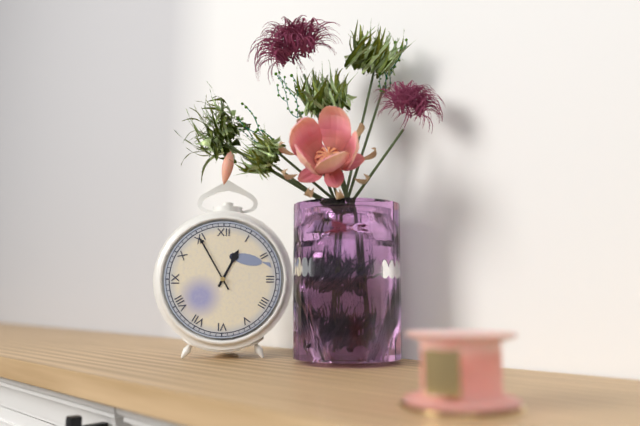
12:55
